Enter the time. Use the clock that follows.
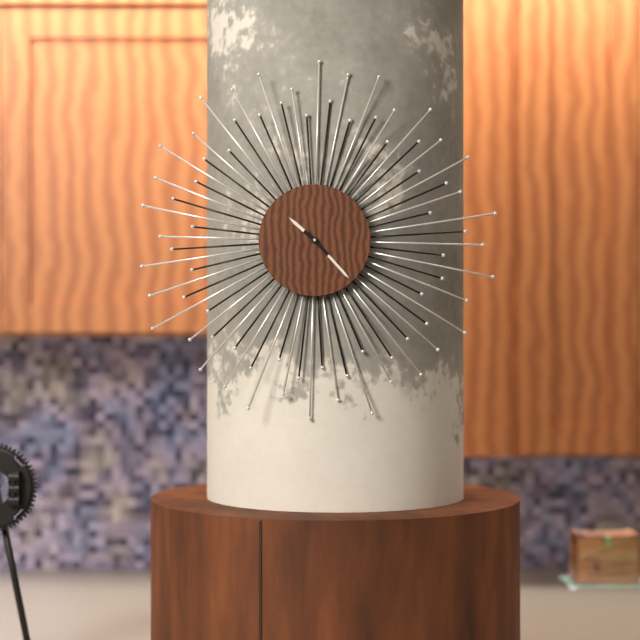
10:23
